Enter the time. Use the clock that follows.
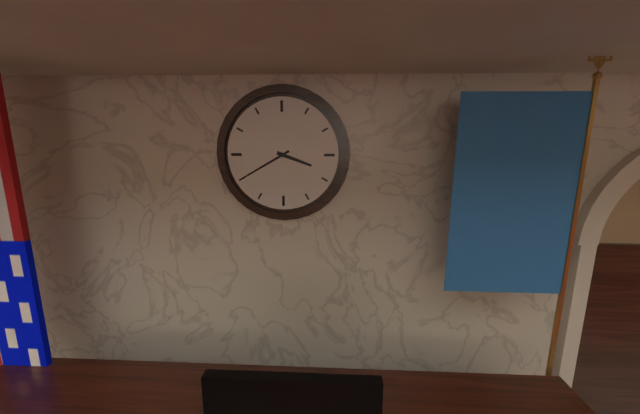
3:40
